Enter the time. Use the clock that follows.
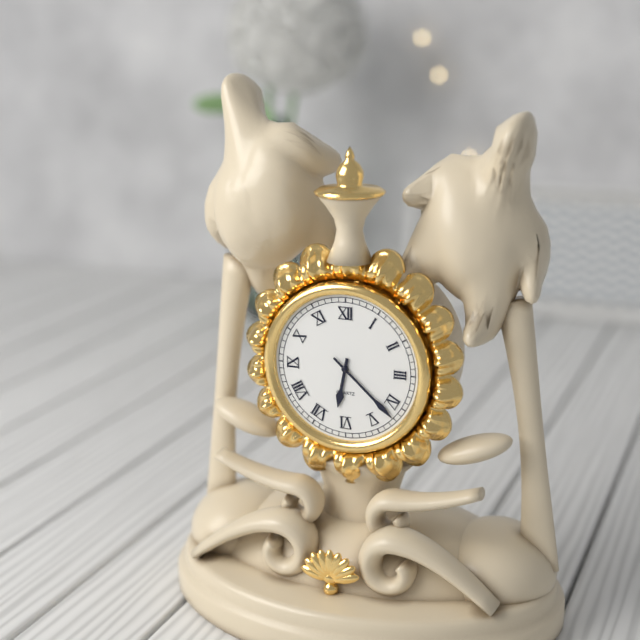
6:22
